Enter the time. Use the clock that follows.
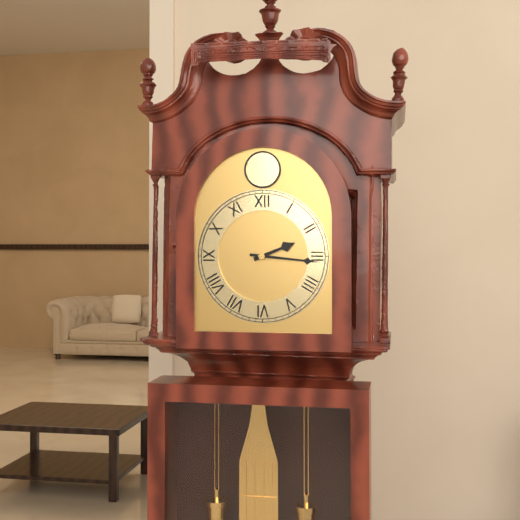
2:16
